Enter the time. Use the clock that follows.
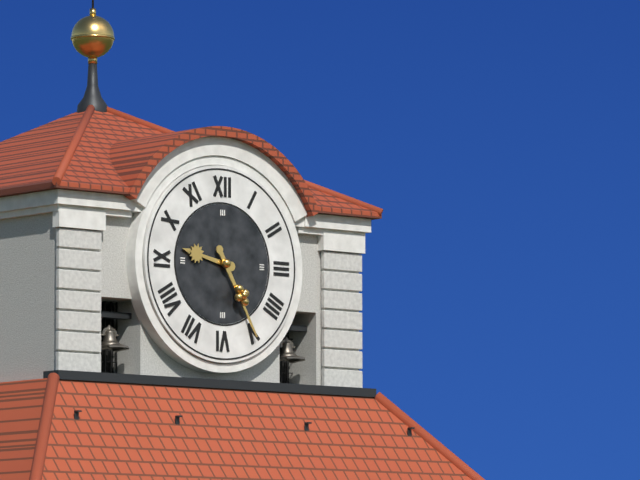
9:25
